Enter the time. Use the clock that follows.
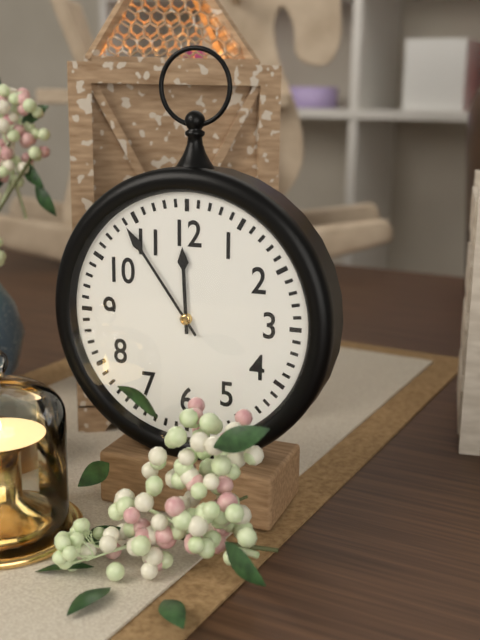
11:54
